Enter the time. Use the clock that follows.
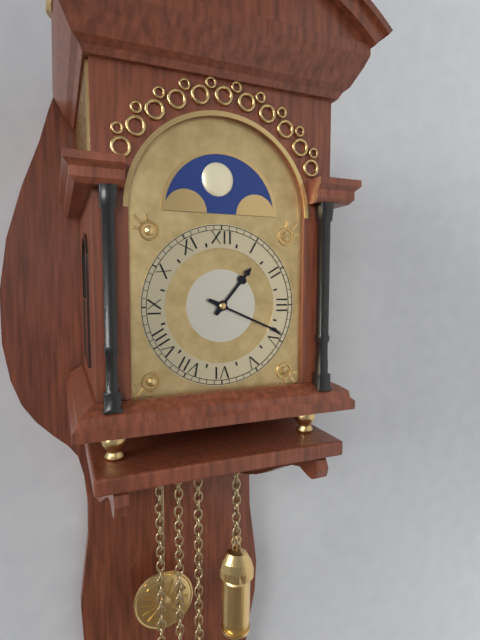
1:19
